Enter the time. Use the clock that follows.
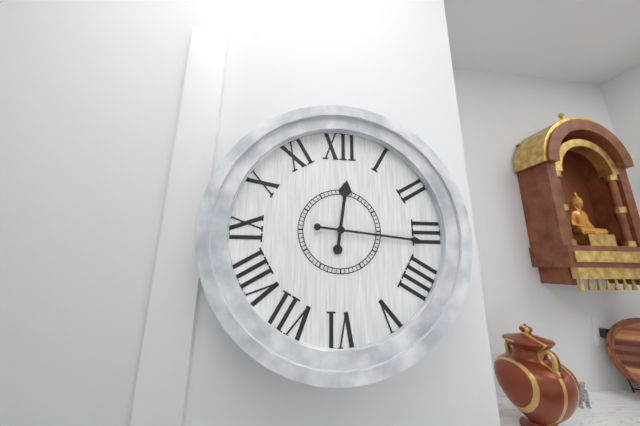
12:16
